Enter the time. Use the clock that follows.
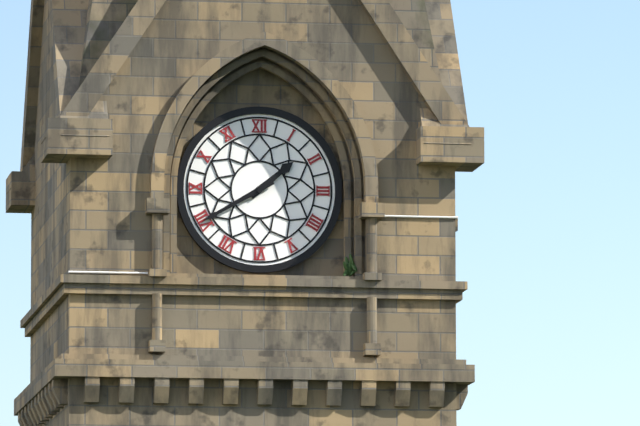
1:40
